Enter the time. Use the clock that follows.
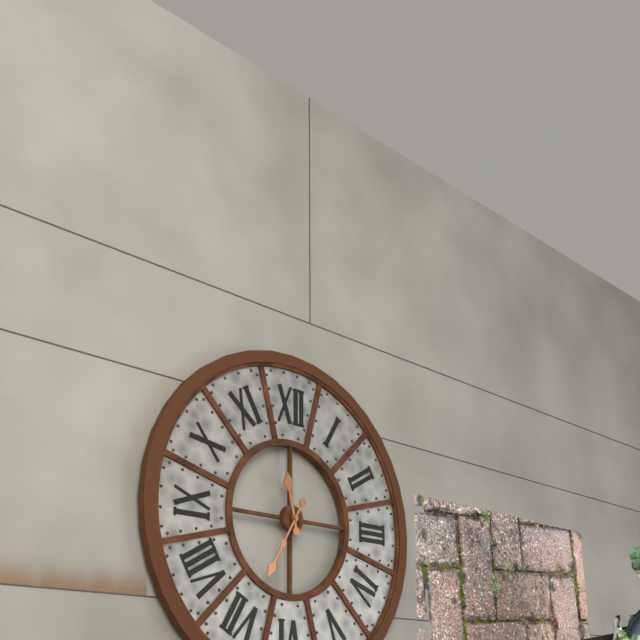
11:35
